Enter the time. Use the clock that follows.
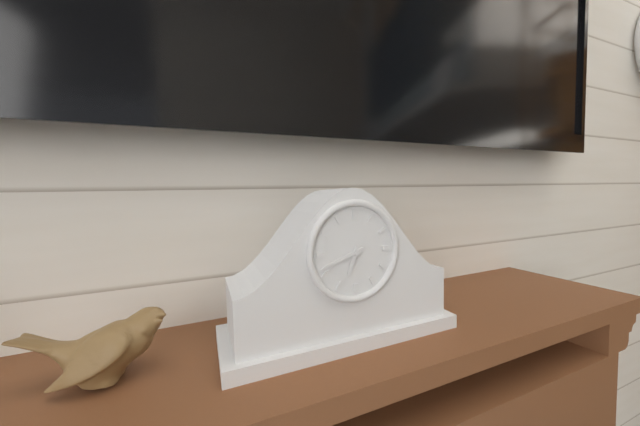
6:42
